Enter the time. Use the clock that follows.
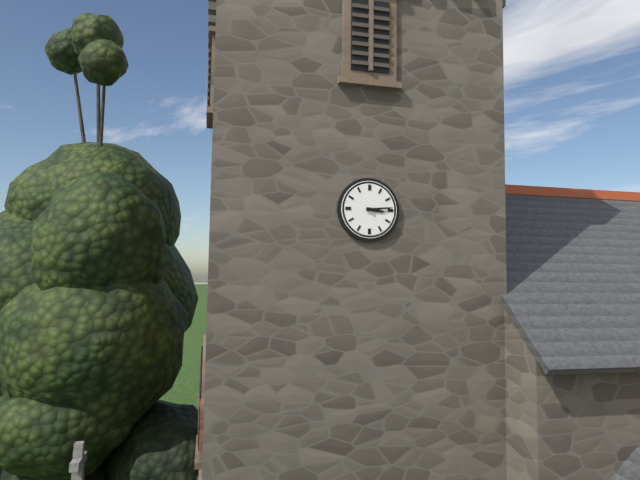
3:14
